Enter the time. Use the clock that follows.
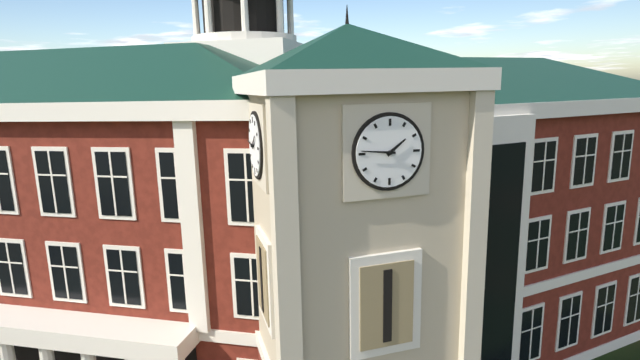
1:46
